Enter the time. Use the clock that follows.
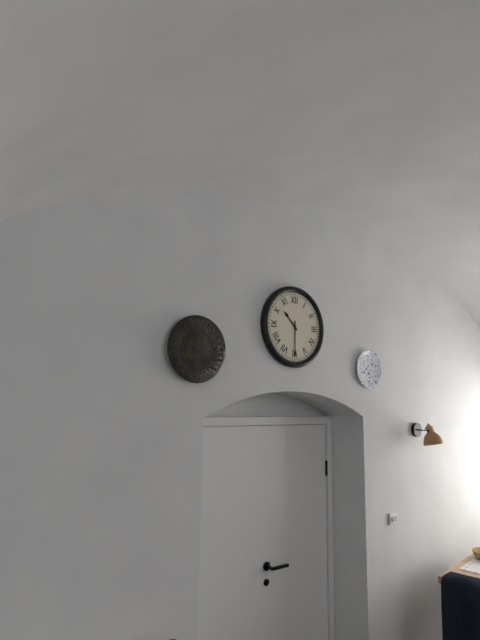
10:30
